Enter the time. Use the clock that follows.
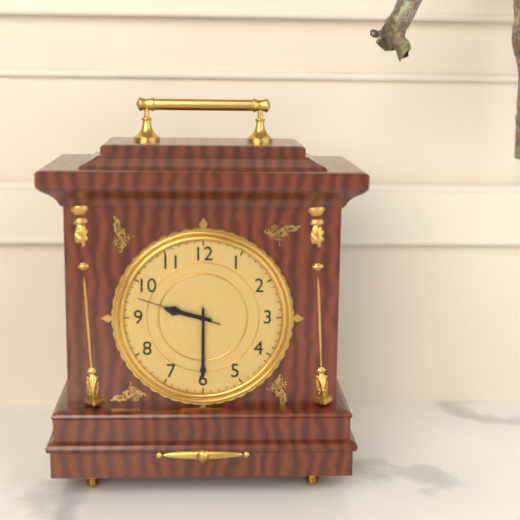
9:30:48
